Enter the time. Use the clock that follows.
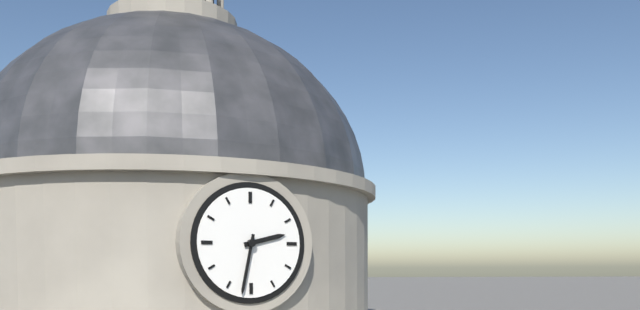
2:32
